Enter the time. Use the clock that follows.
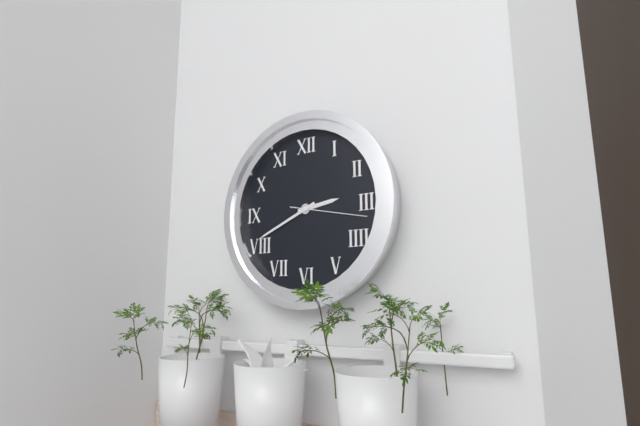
2:41:17
